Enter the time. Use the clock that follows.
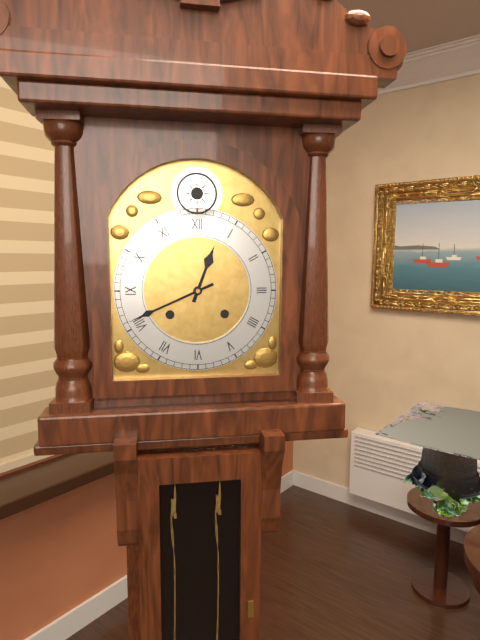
12:41
